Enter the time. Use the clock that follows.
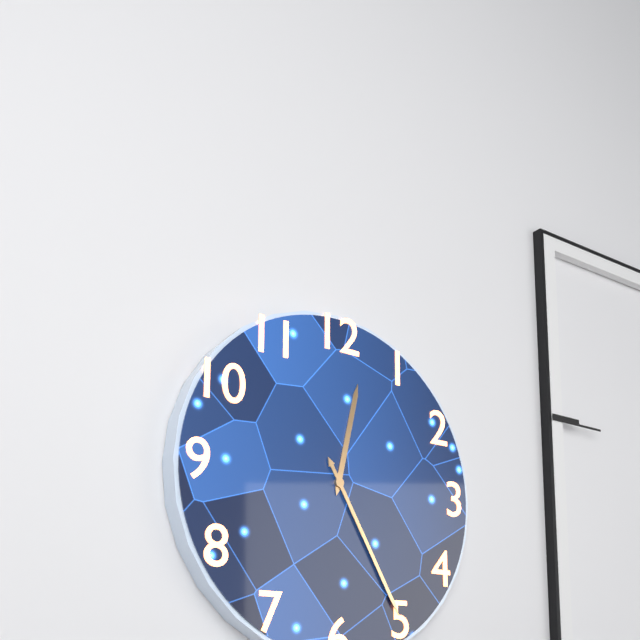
12:25
